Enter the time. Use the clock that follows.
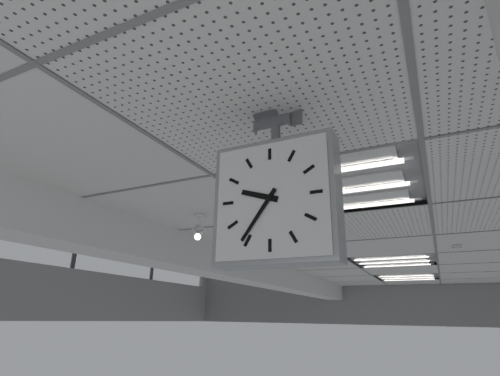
9:36
